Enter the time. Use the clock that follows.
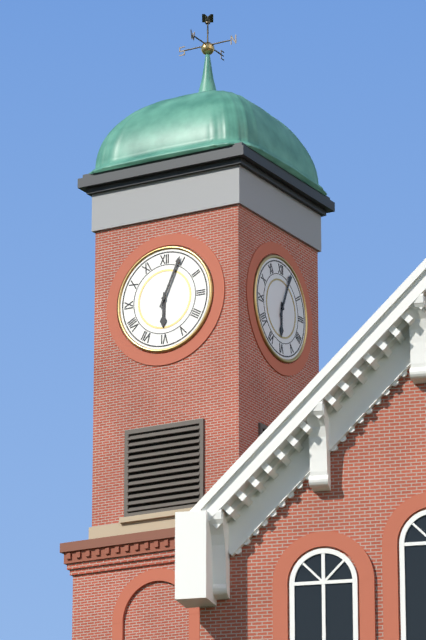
6:04
